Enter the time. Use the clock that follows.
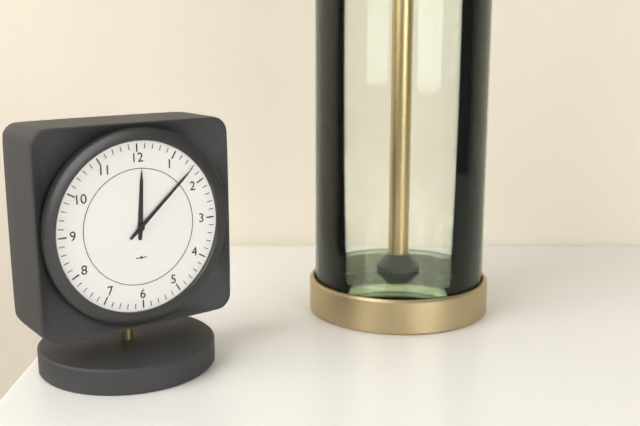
12:08
